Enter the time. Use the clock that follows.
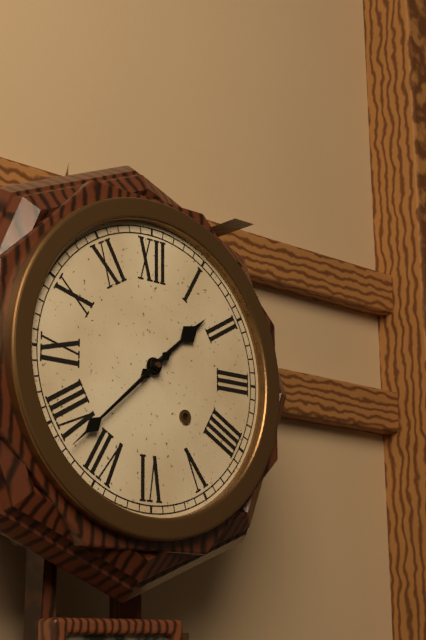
1:38
